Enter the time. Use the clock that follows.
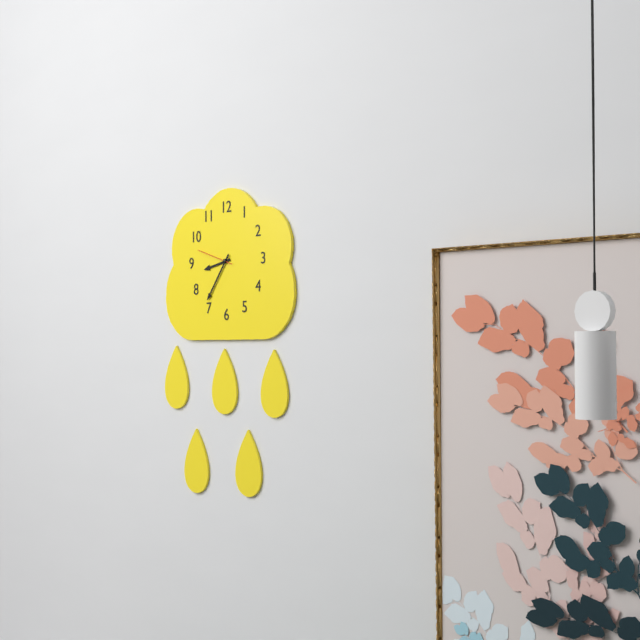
8:36
